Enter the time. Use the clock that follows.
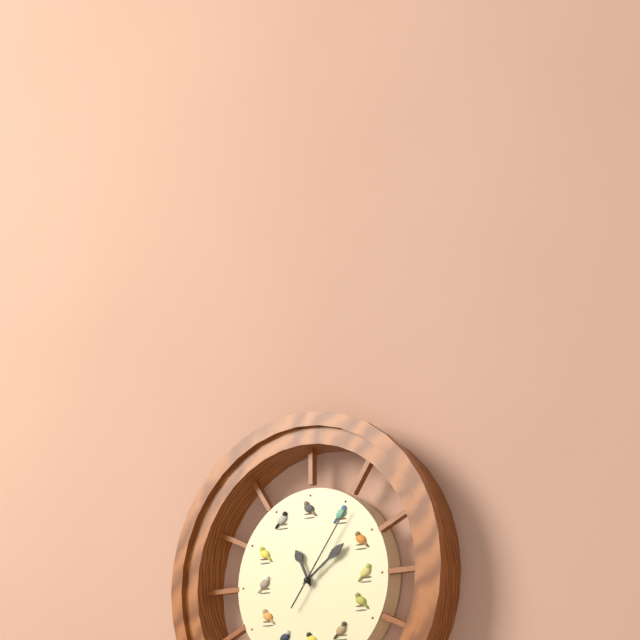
11:09:06
